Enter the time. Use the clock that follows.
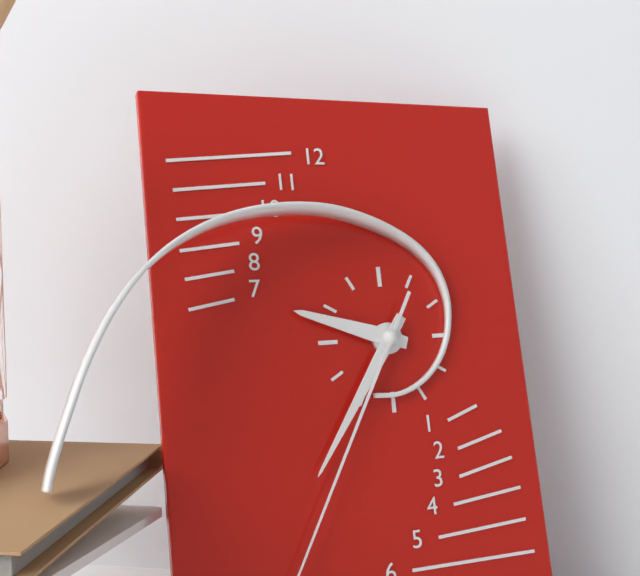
9:36
